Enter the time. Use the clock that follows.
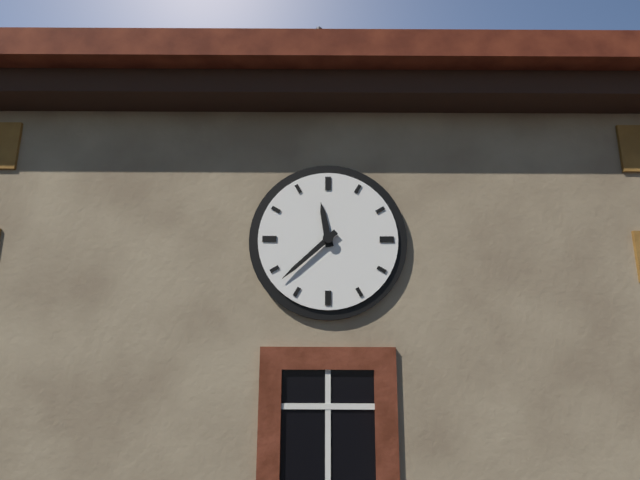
11:38
